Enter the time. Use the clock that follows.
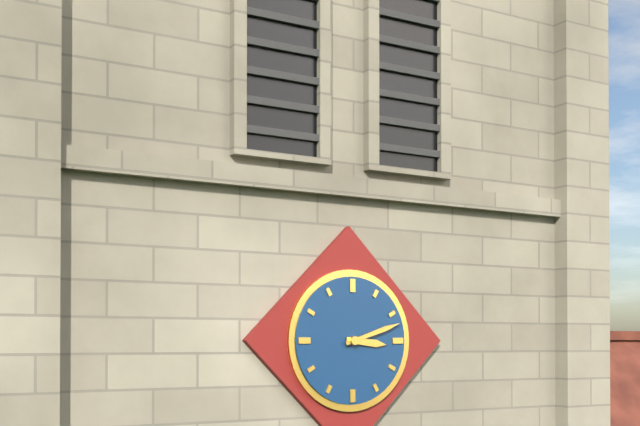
3:12
